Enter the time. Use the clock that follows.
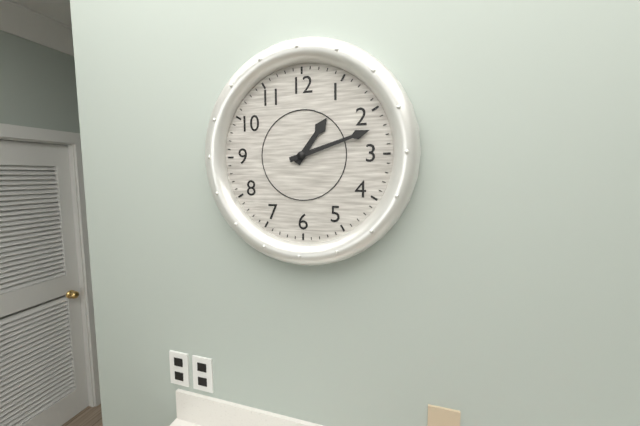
1:12
